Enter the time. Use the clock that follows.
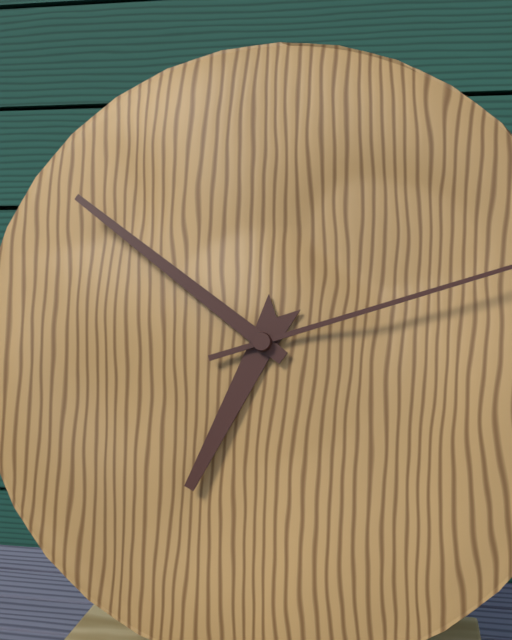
6:51
